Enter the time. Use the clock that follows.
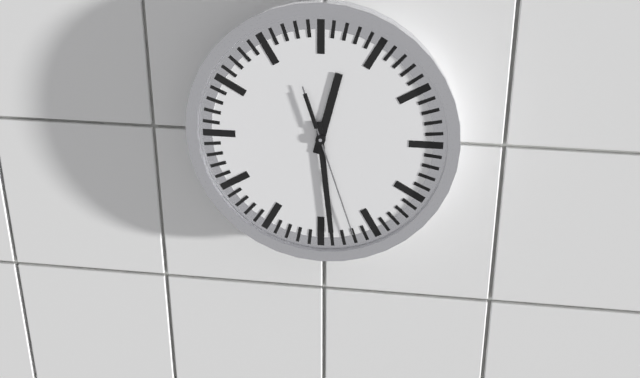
12:29:27
